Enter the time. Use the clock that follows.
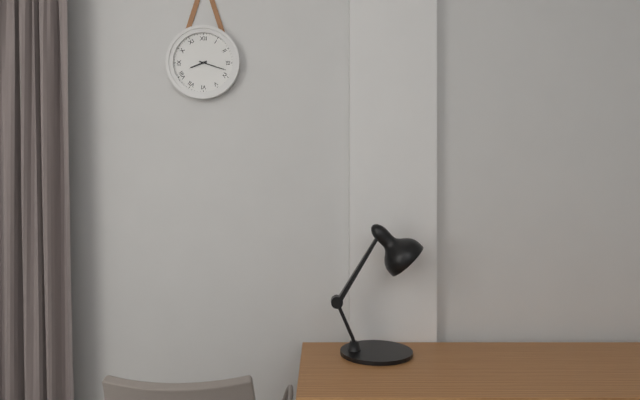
8:18
